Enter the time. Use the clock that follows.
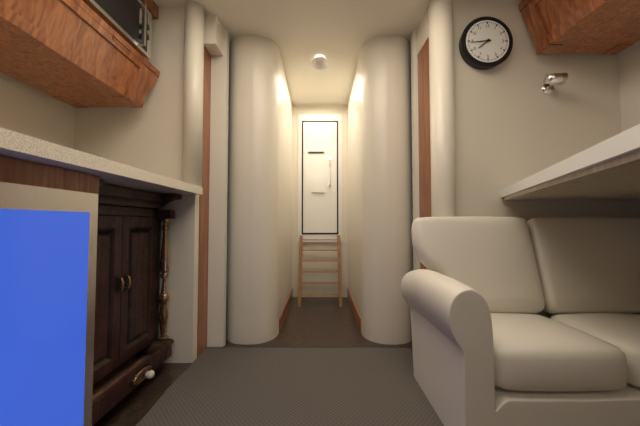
7:44
